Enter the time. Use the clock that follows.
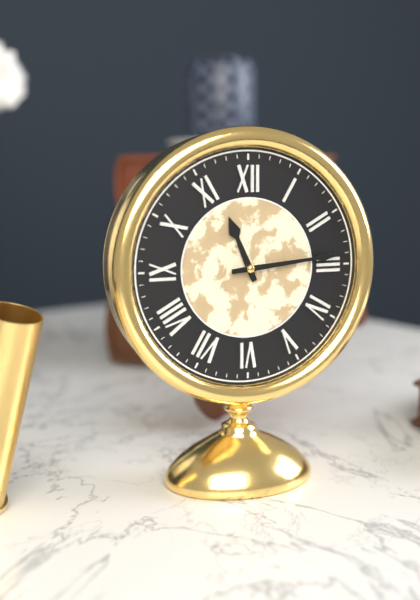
11:14
